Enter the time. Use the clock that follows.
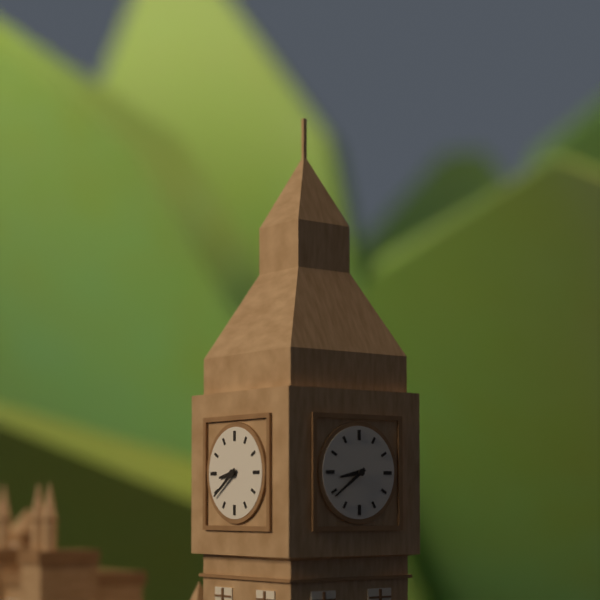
8:39
